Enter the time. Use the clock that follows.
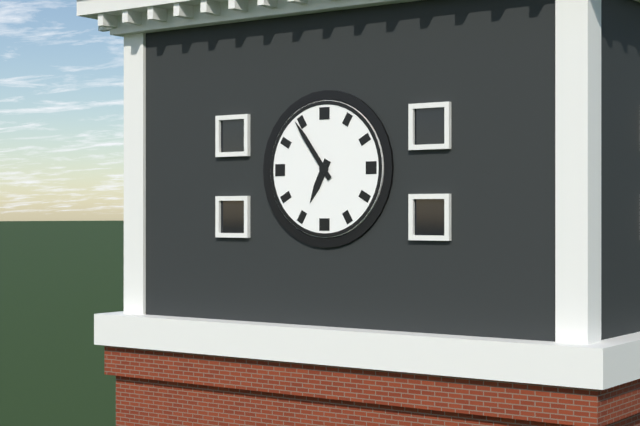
6:54
